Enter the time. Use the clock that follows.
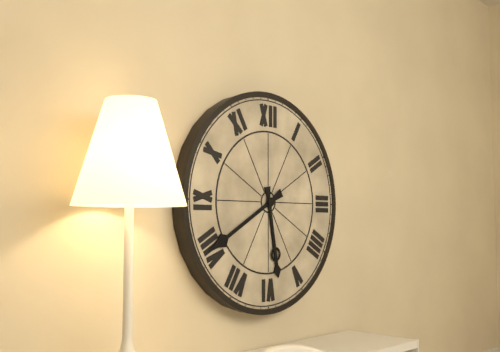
5:40
